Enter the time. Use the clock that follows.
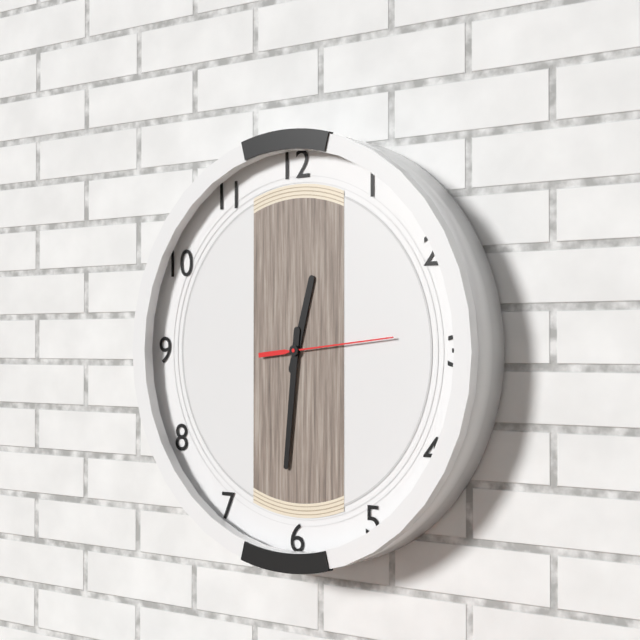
12:31:14
